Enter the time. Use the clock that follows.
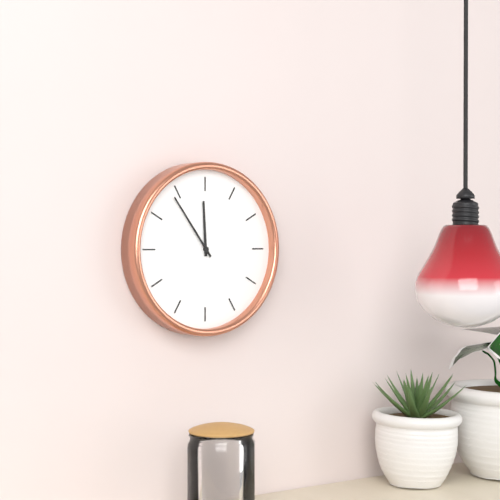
11:54
